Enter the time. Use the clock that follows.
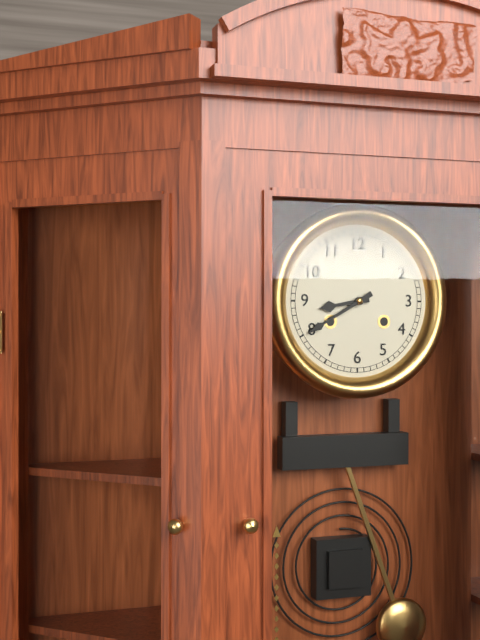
8:40
